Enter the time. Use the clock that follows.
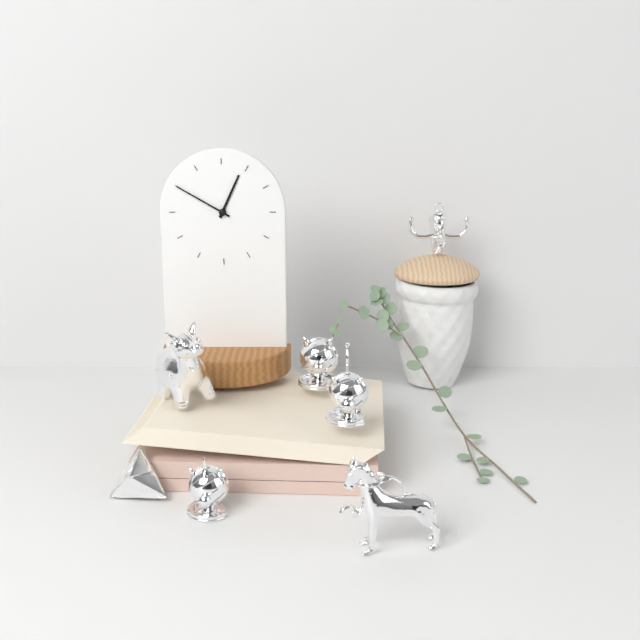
12:50
